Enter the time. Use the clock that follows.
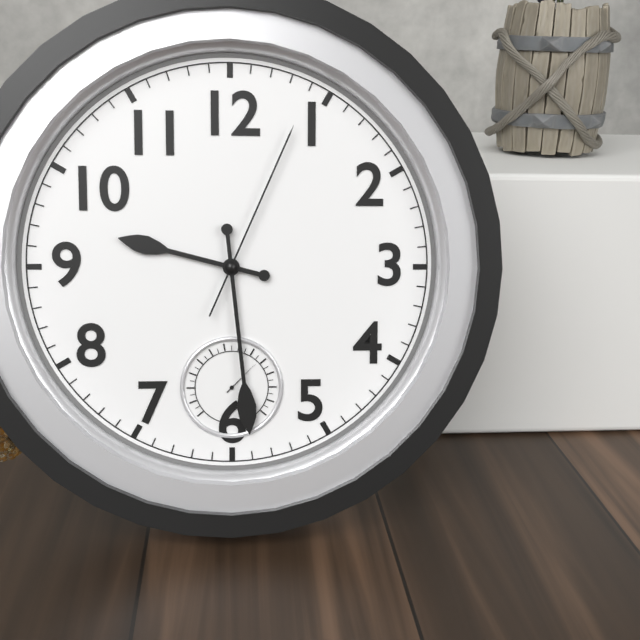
9:29:04
